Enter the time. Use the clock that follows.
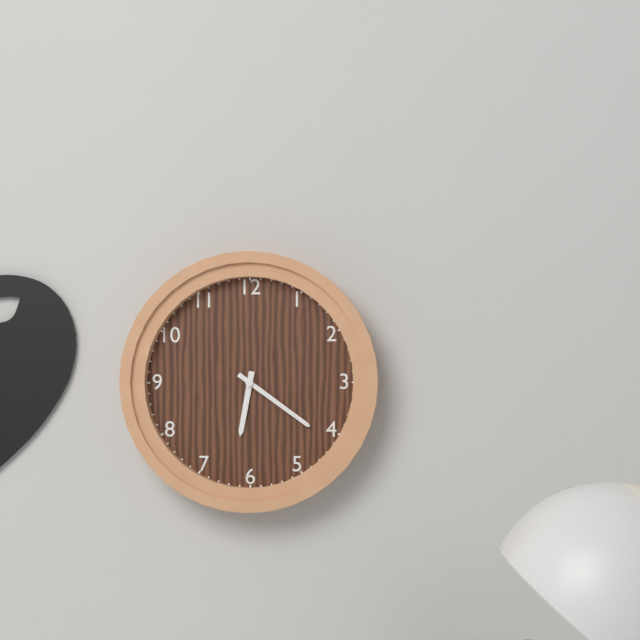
6:21
